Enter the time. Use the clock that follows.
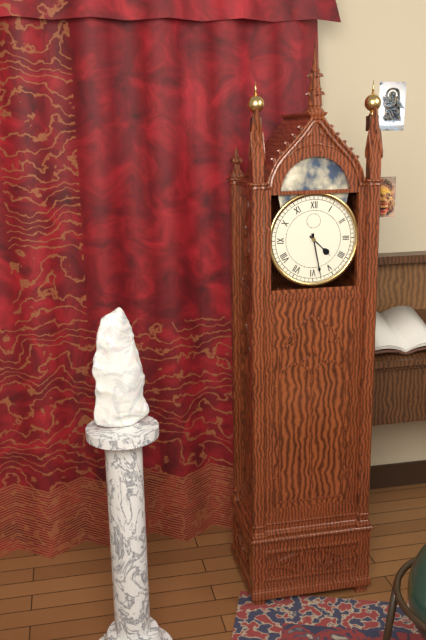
4:28
